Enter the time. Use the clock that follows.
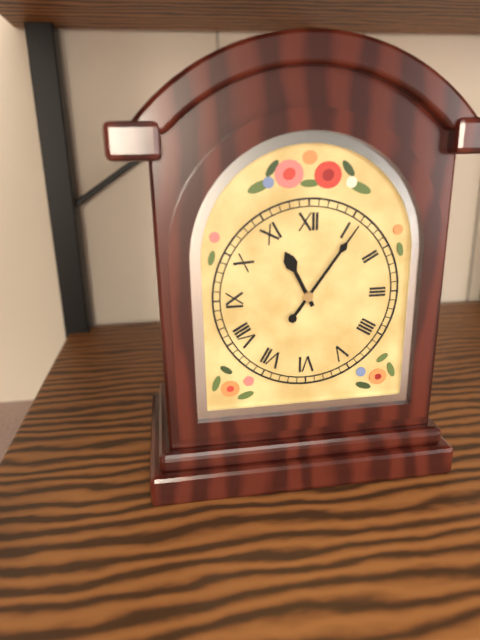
11:06
